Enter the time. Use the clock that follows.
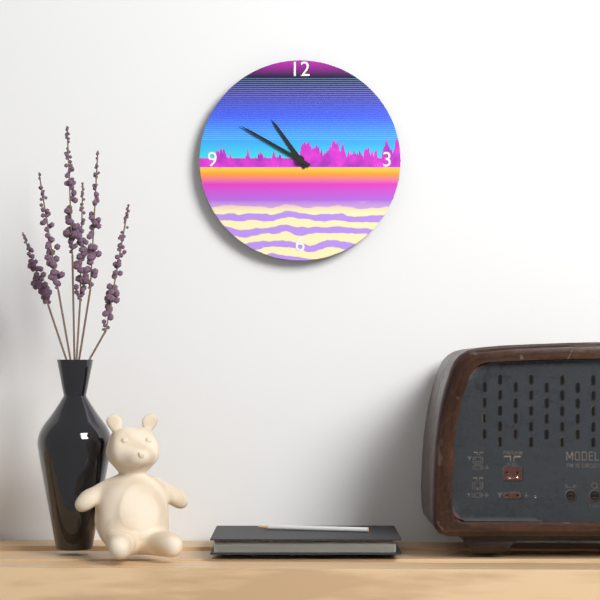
10:50
